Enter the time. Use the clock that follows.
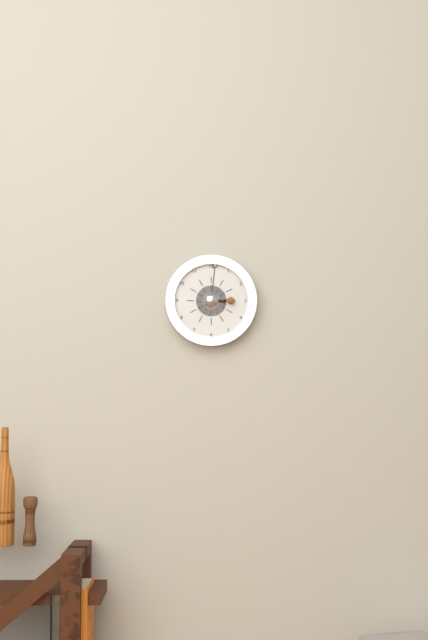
3:01
